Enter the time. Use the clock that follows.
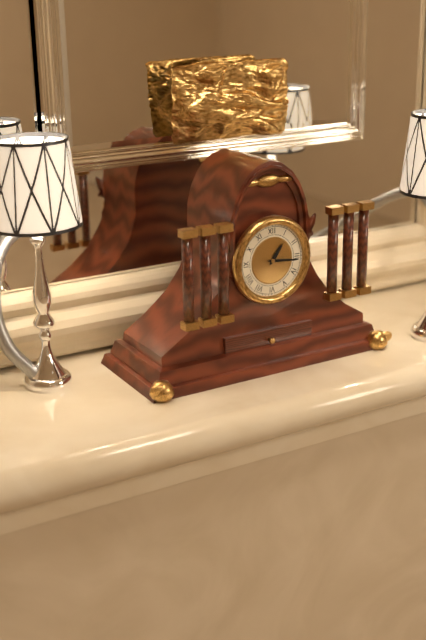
1:16
